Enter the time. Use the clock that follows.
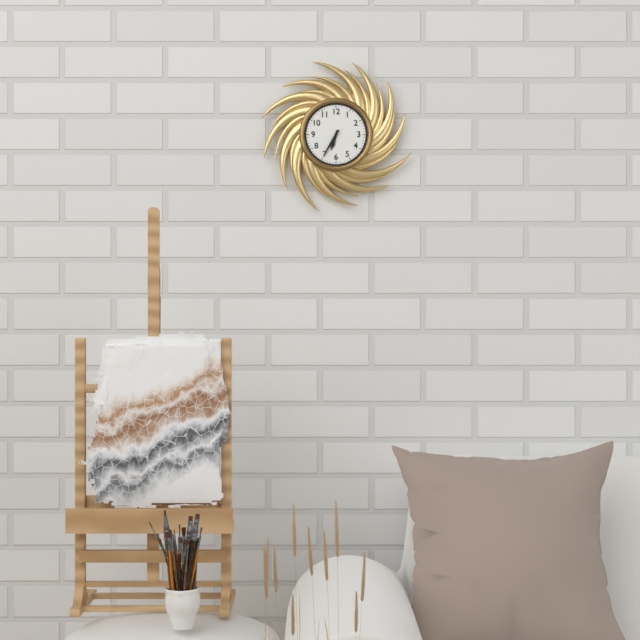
6:35
